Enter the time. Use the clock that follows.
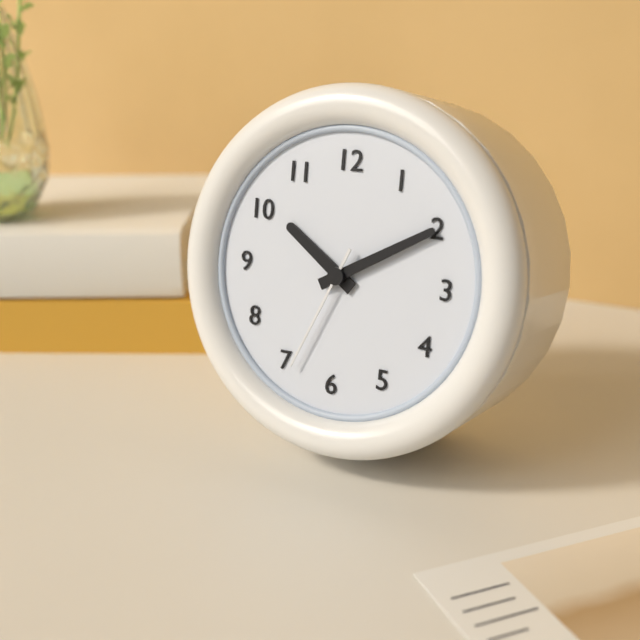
10:10:34
